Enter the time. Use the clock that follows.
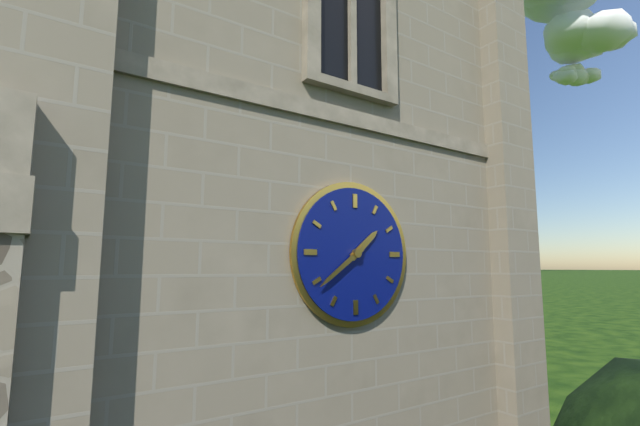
1:39
